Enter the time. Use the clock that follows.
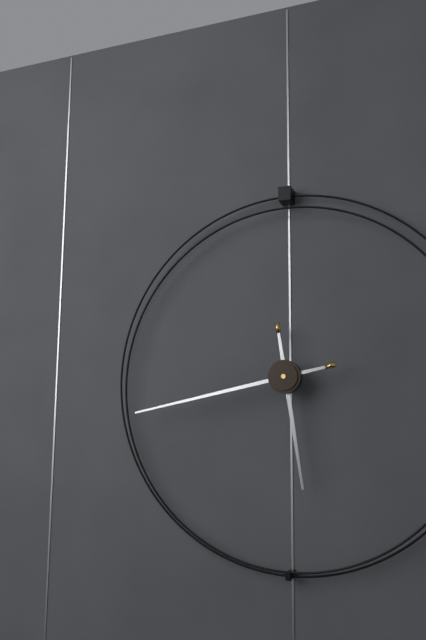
5:43
